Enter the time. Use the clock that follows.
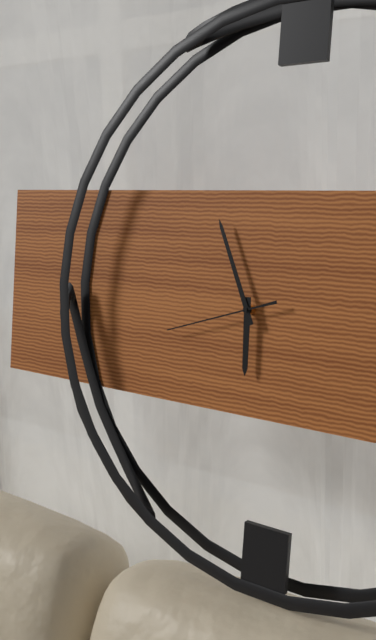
5:56:42
